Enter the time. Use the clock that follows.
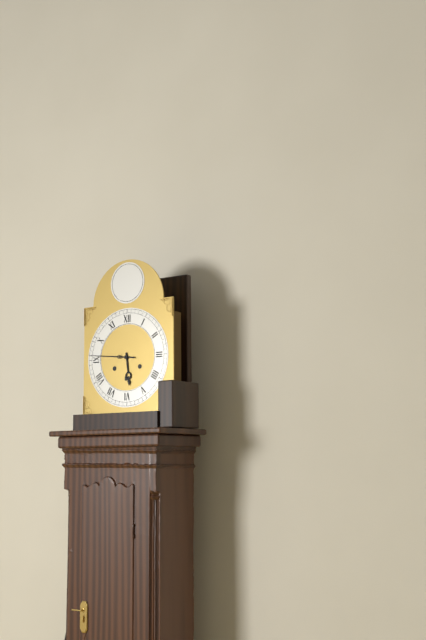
5:46
